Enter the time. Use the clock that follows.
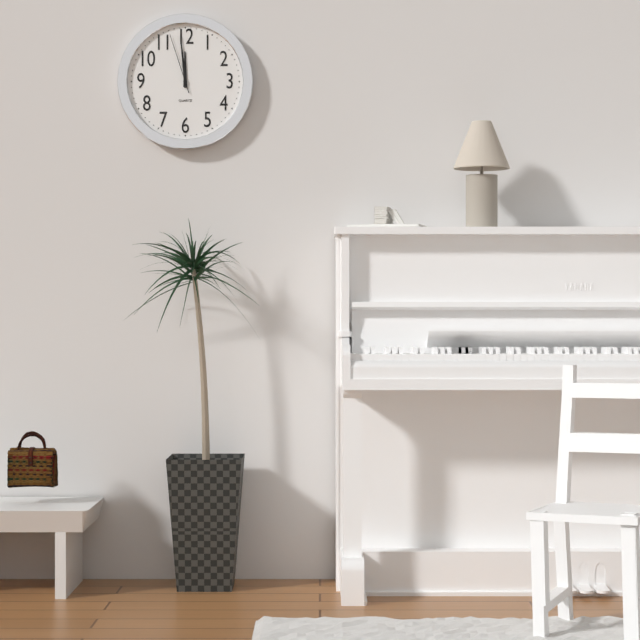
11:59:57
